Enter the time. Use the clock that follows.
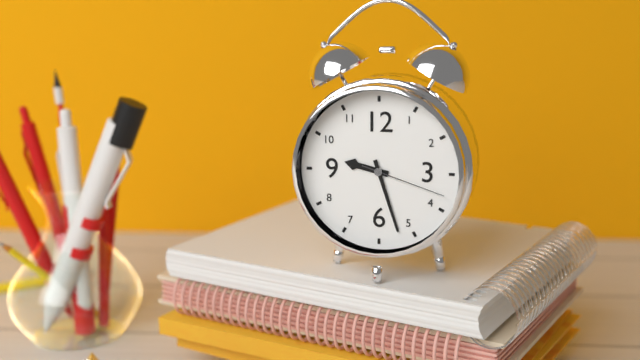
9:27:18
